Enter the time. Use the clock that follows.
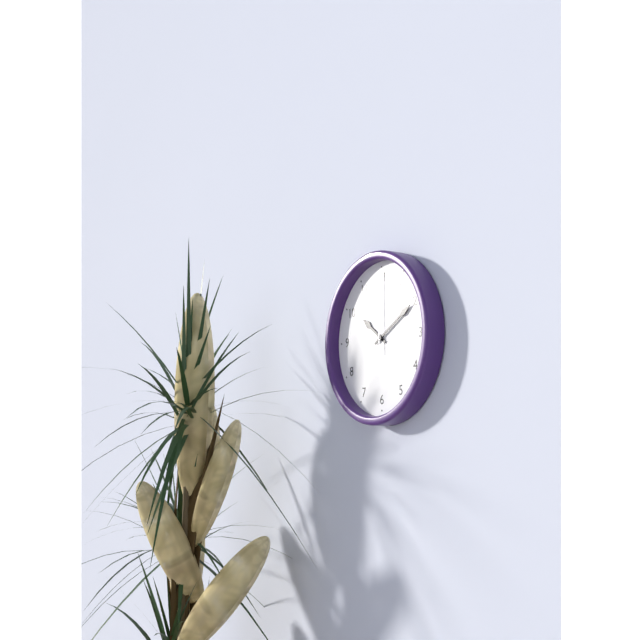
10:10:00
